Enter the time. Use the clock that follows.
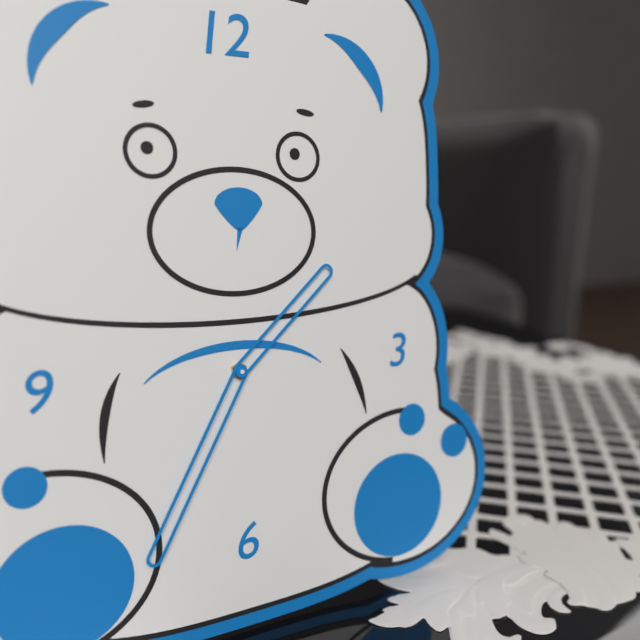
1:35
